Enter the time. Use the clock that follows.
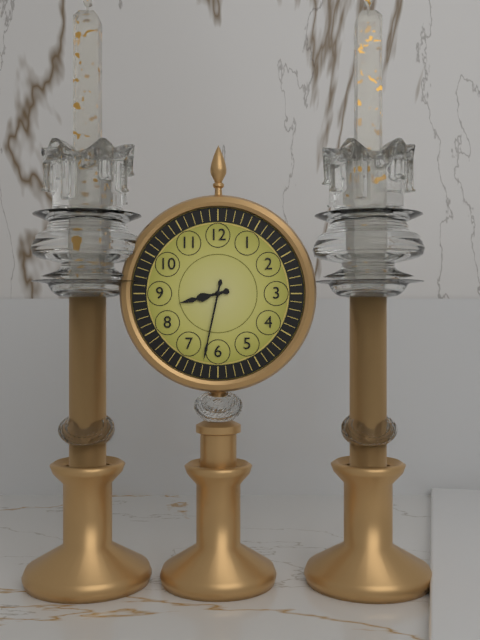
8:32
